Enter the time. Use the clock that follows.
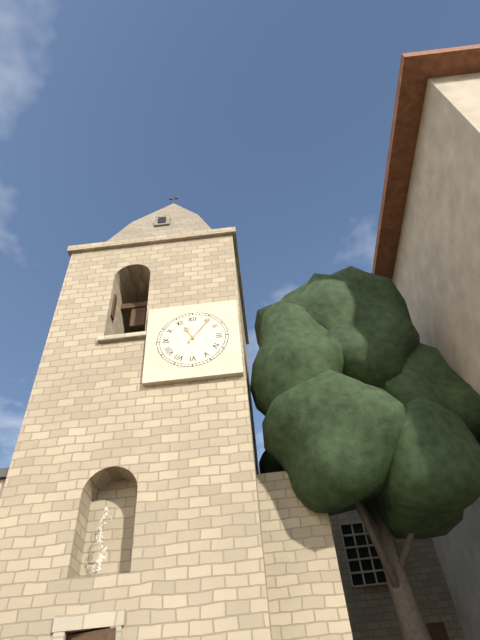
11:06
